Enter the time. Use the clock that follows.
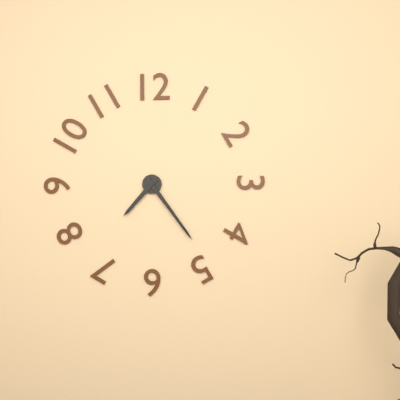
7:24
